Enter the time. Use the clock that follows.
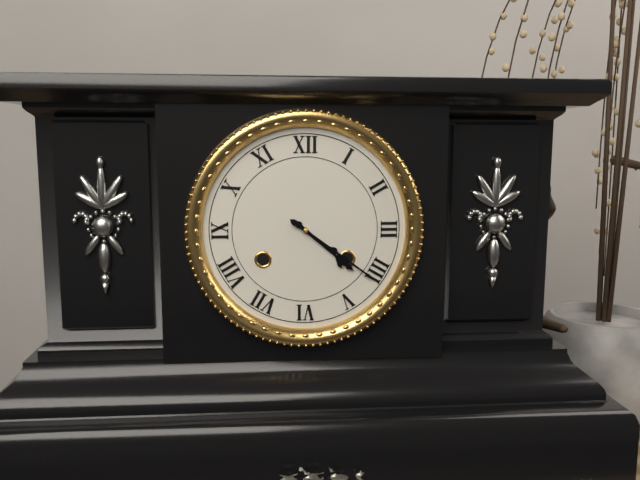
4:21
